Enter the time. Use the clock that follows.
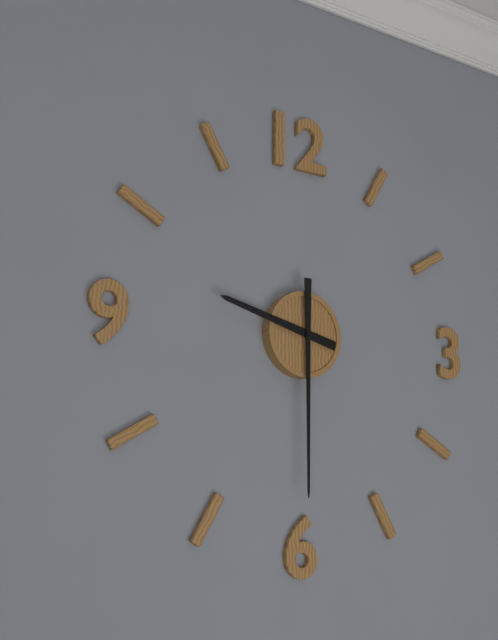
9:30
